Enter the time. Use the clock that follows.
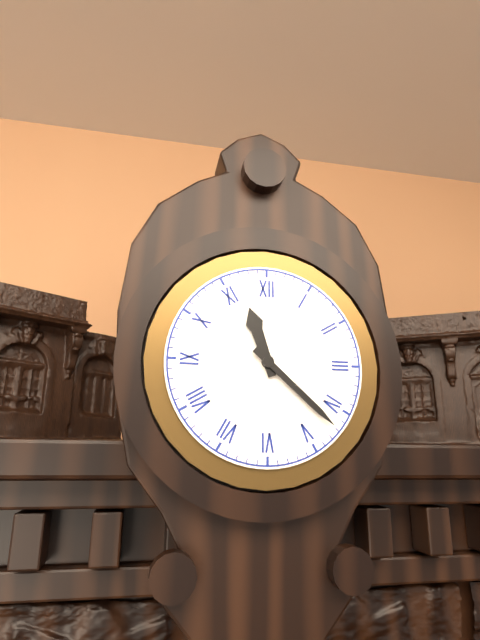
11:22
